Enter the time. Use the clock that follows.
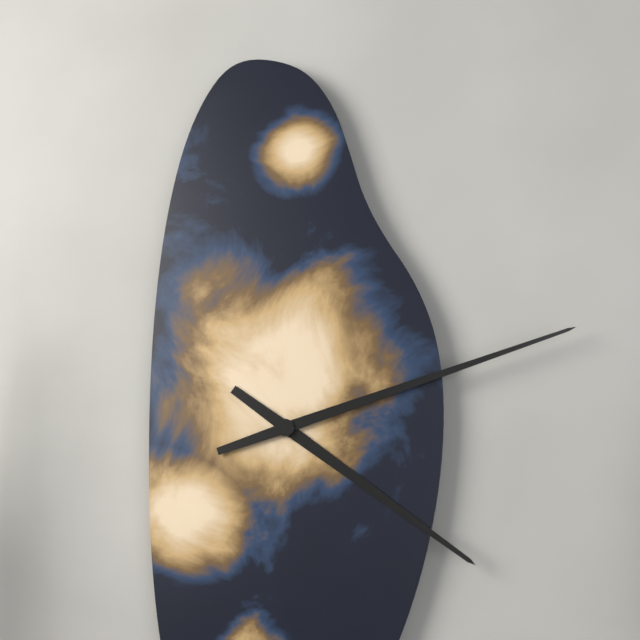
4:12
